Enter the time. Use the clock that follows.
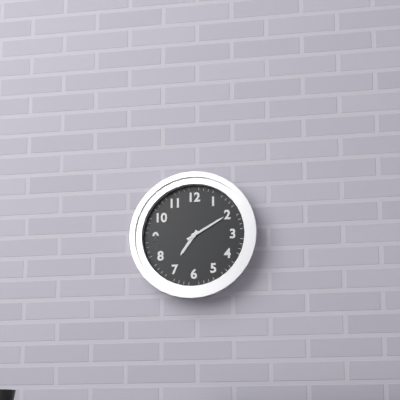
7:10
